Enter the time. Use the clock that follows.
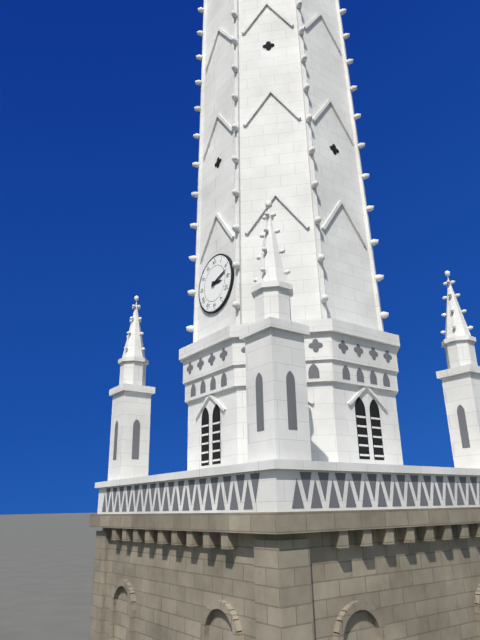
3:12
